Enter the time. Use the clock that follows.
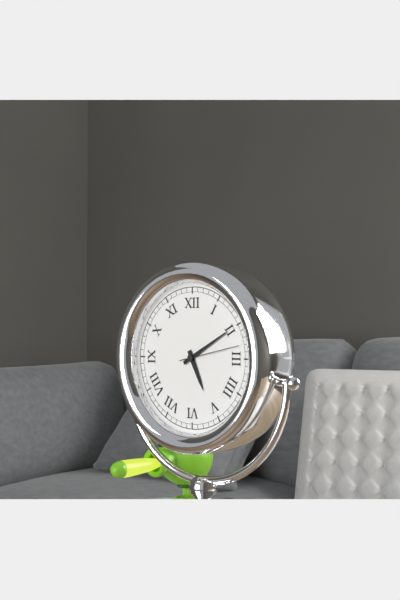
5:10:13
